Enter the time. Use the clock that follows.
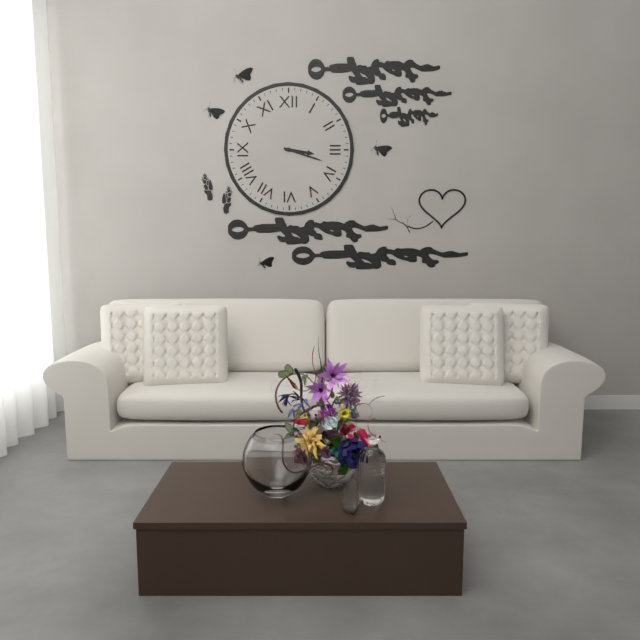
3:18
